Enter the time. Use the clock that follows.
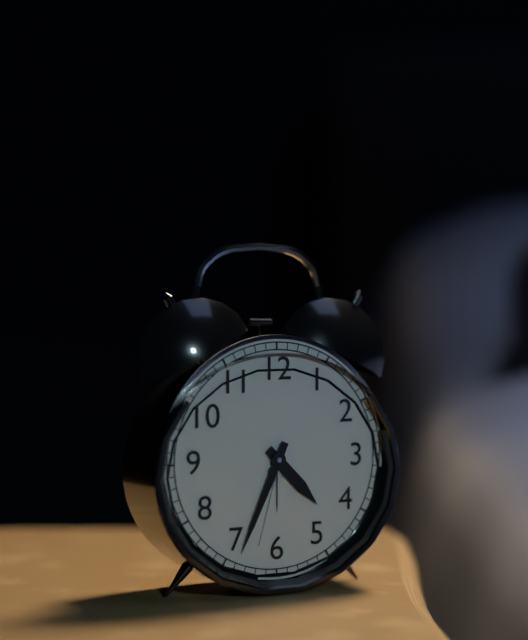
4:34
